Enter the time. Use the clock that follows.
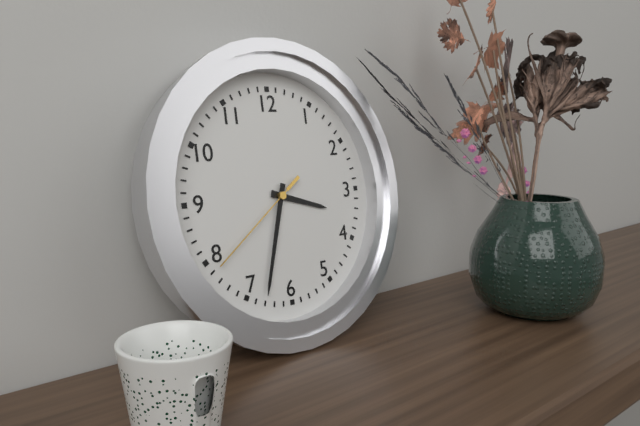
3:33:39
